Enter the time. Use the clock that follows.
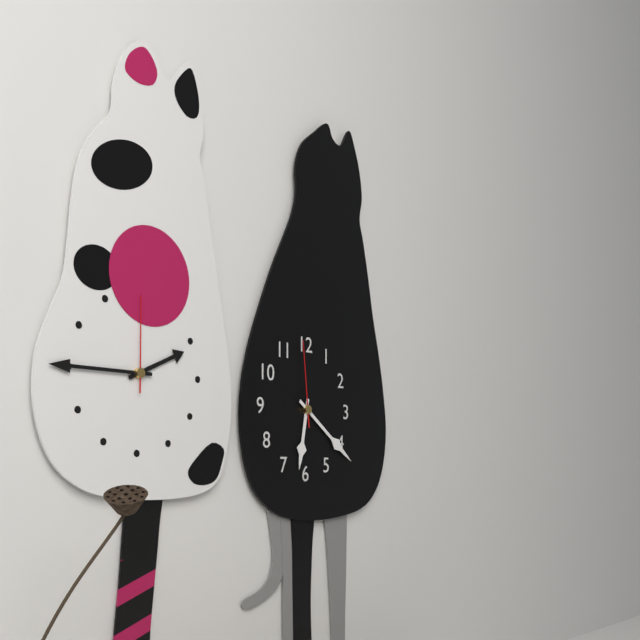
6:21:59
